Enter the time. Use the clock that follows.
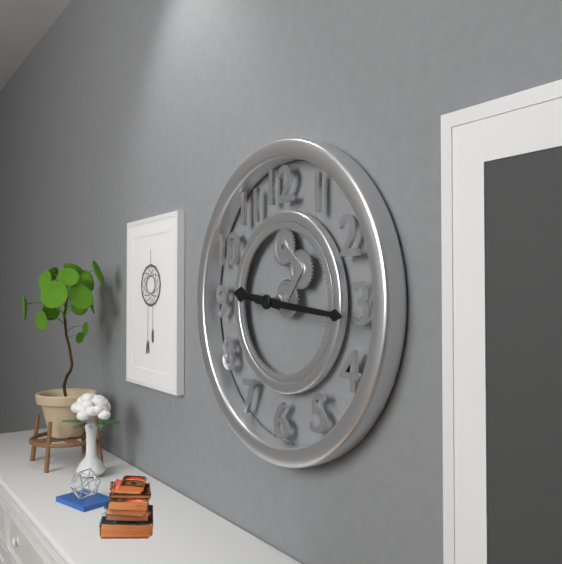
9:16
